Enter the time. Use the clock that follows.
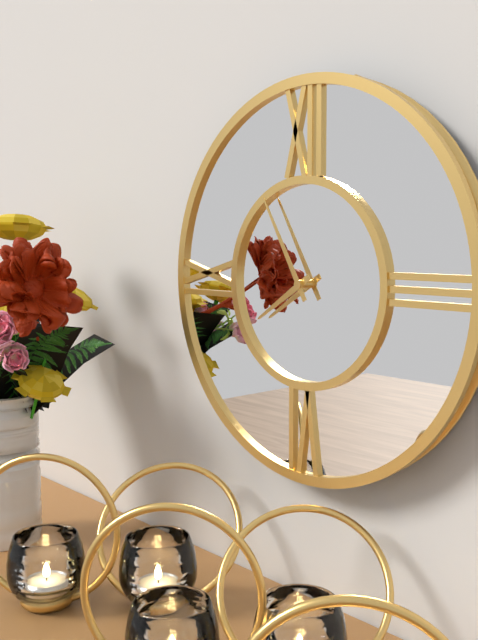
7:55
